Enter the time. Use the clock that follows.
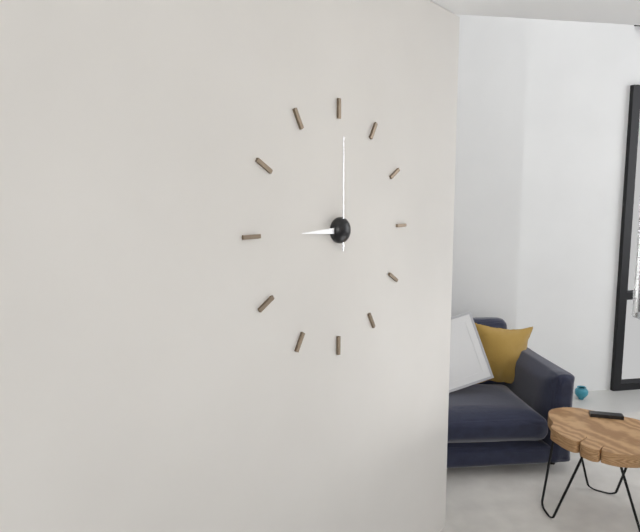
9:00
